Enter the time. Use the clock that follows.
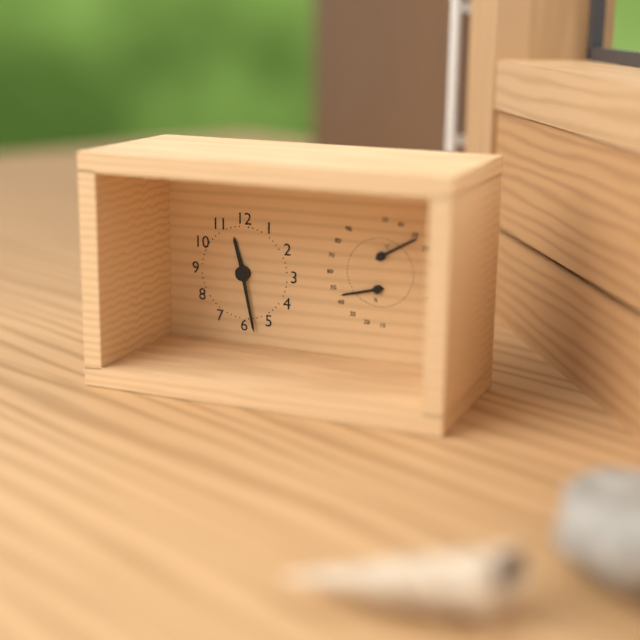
11:28
